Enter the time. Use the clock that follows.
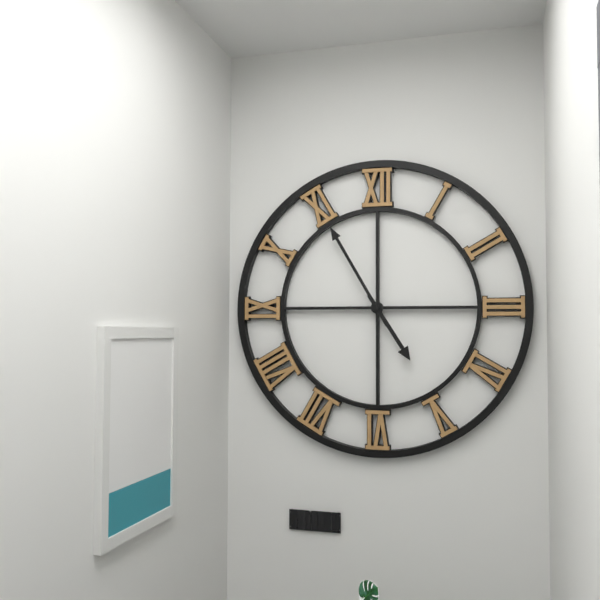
4:55
